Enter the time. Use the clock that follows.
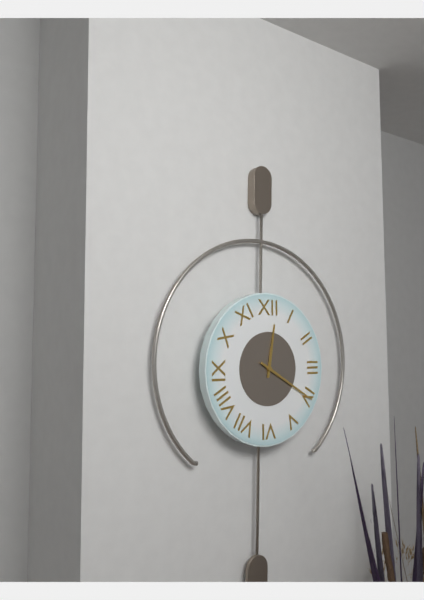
12:20
